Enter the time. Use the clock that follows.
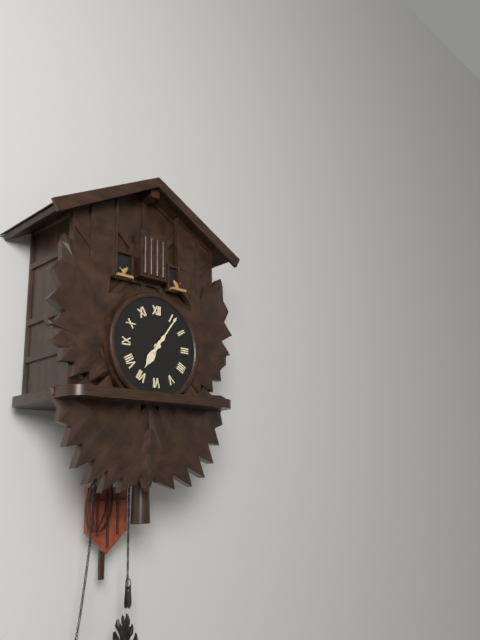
7:06
